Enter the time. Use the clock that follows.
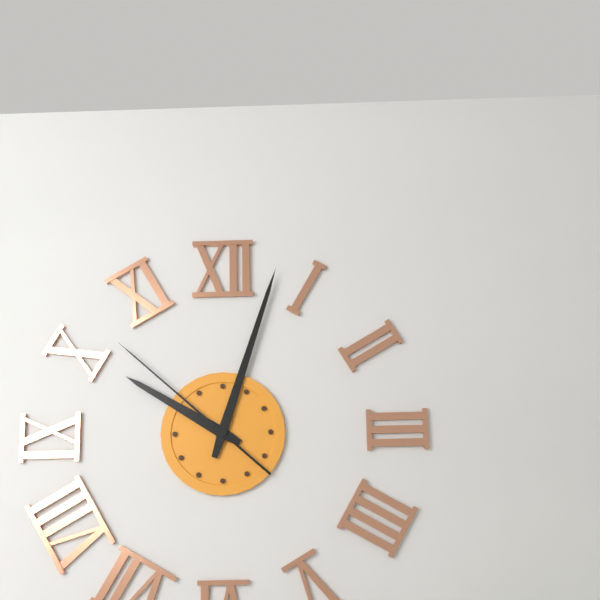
10:03:52
